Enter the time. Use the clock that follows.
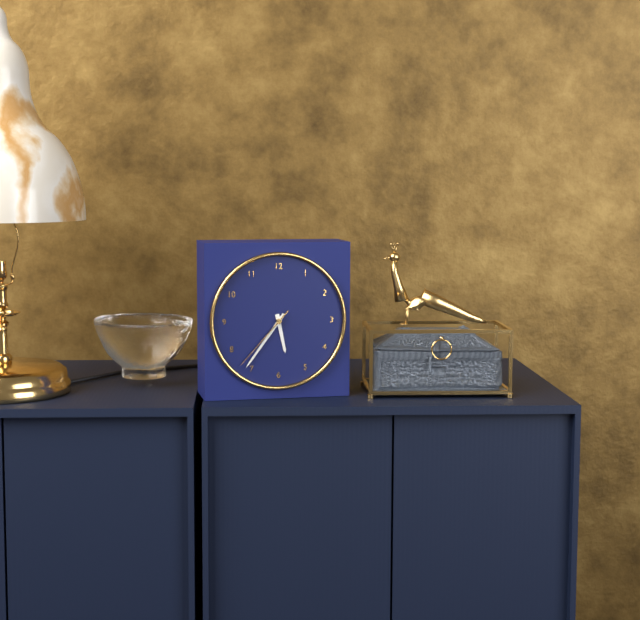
5:36:37
